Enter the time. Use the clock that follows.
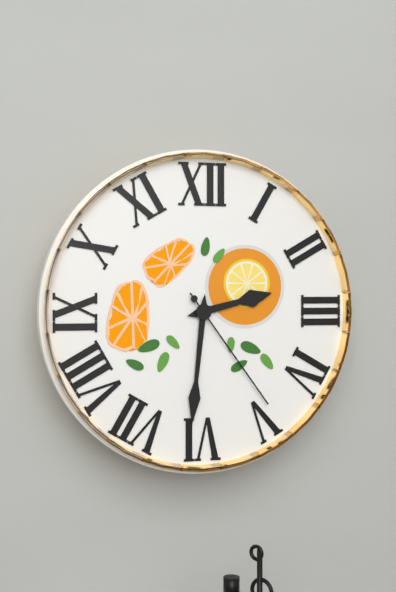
2:31:24
